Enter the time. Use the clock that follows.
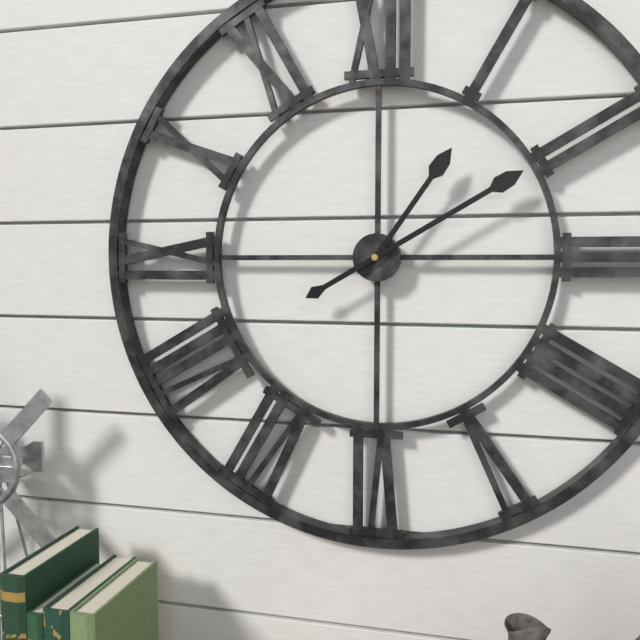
1:10
